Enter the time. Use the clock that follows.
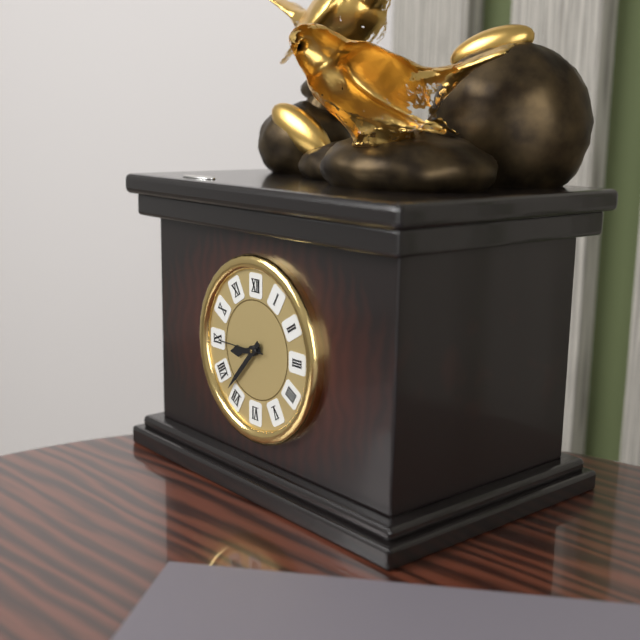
8:37
